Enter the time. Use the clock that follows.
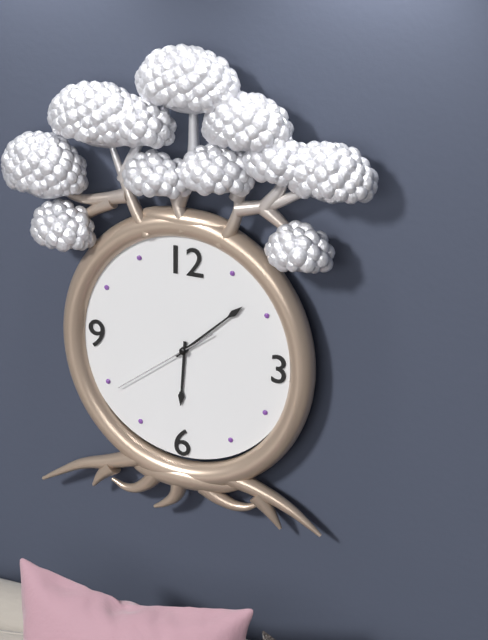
6:08:39
